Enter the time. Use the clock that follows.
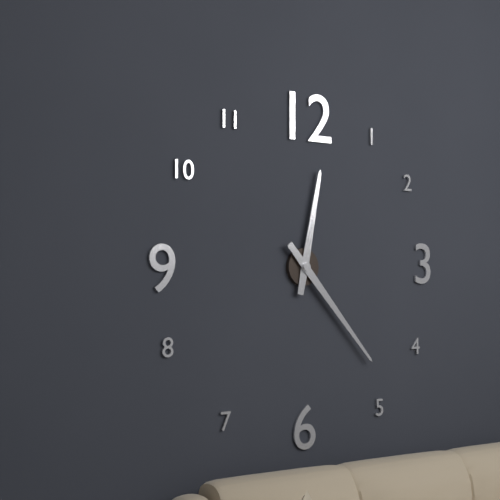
12:23
